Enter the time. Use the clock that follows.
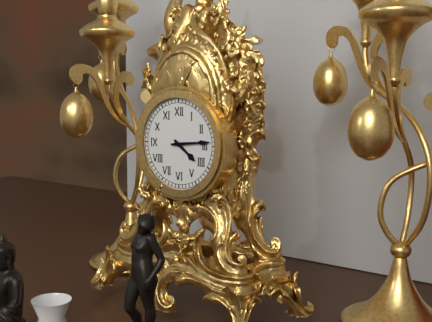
4:14
